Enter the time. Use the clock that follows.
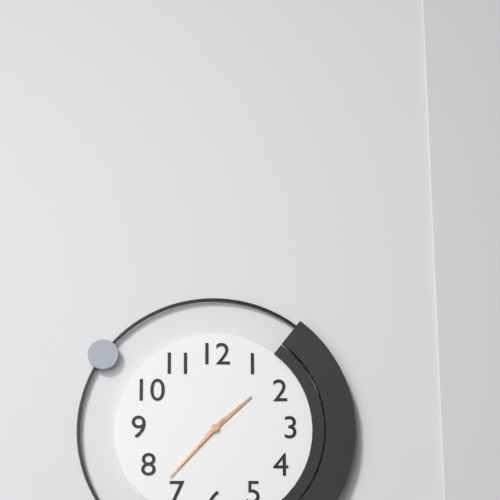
1:37
